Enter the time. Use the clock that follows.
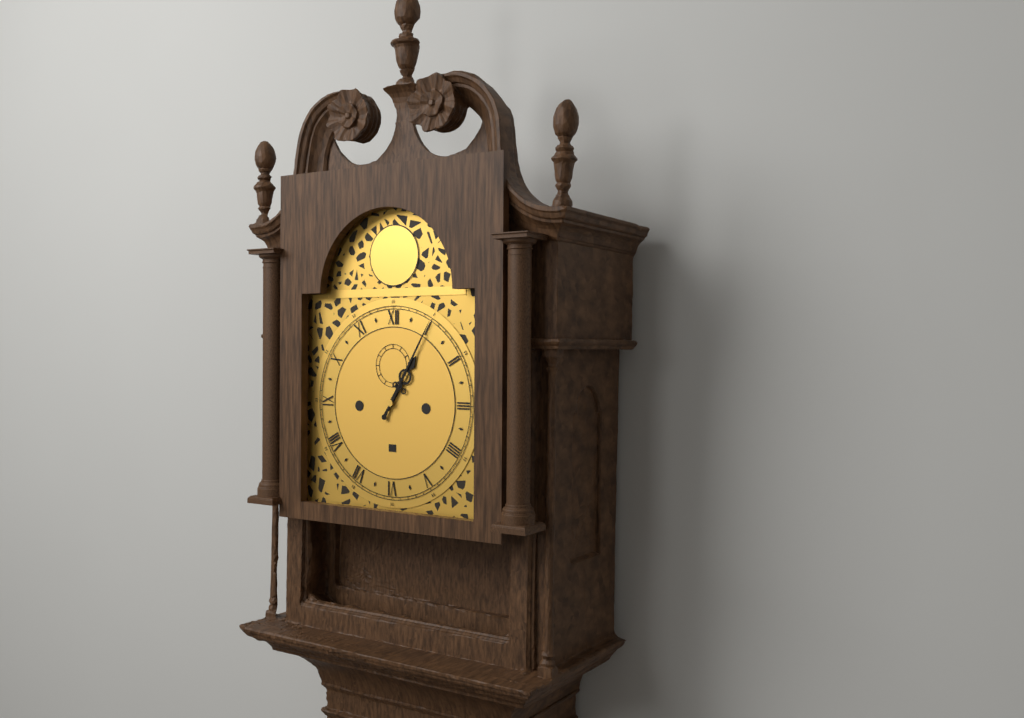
1:05
